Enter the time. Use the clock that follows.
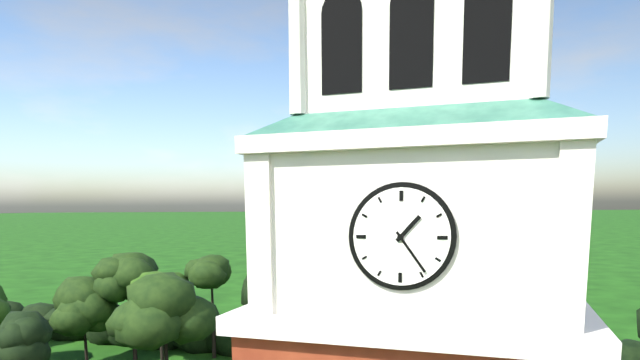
1:24
